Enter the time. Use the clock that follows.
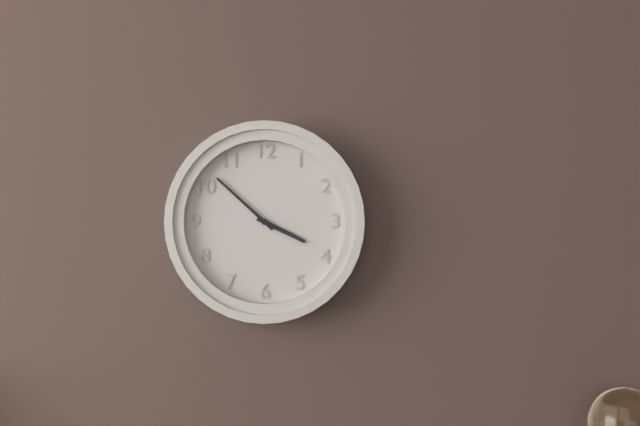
3:52
